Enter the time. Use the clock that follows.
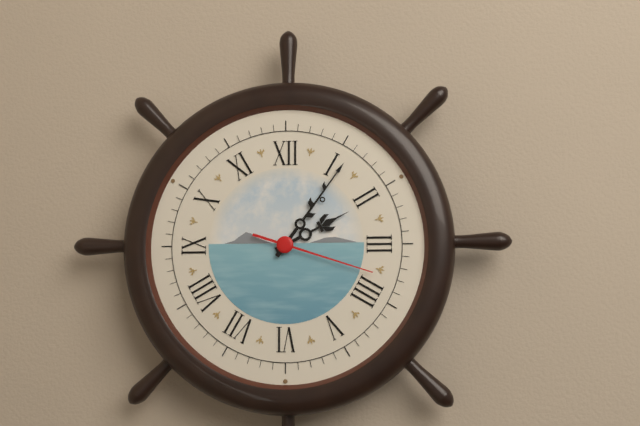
2:06:18
